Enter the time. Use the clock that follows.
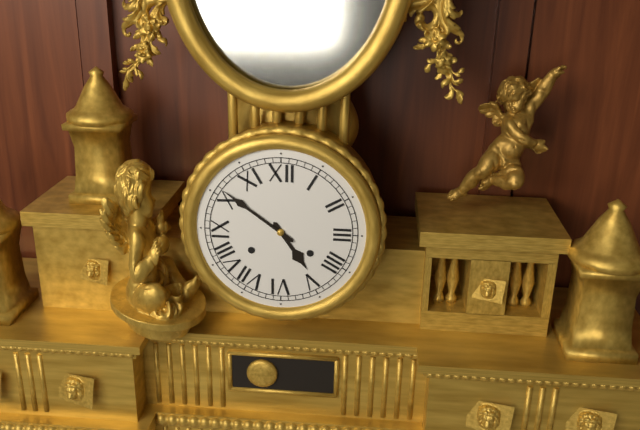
4:51
